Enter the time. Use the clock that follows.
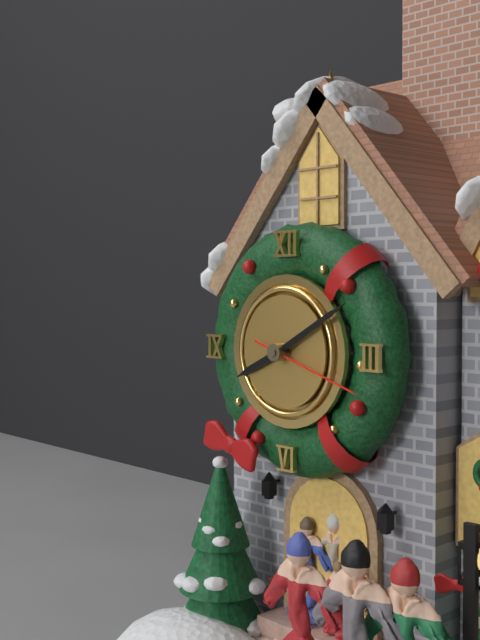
8:10:18
